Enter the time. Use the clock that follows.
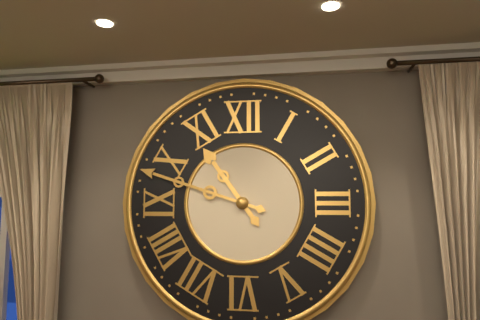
10:48
